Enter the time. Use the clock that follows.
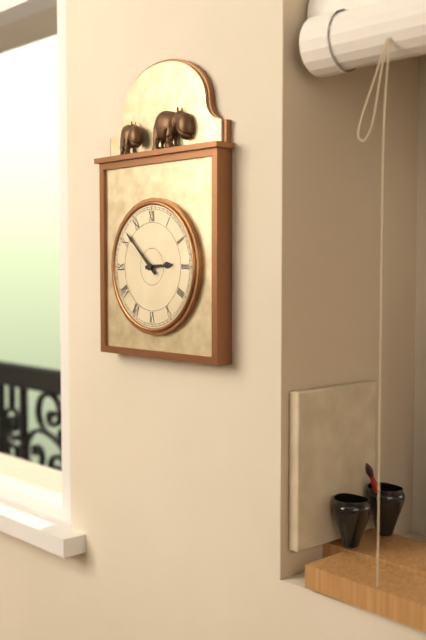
2:52
